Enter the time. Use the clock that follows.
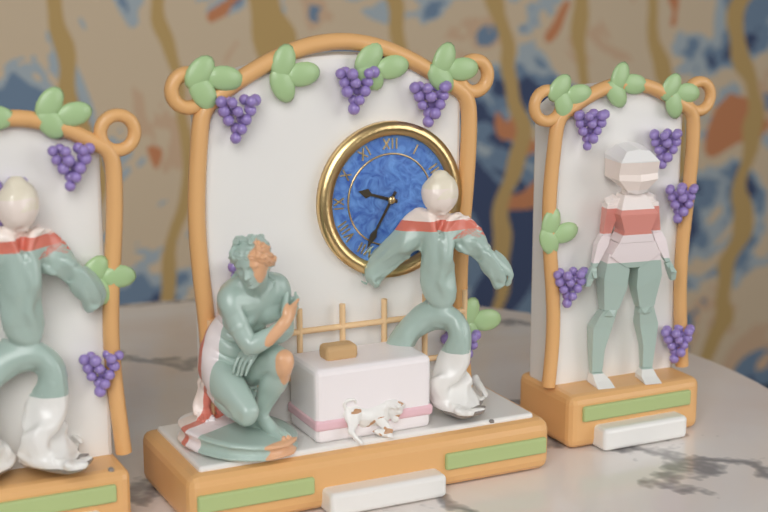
9:35
